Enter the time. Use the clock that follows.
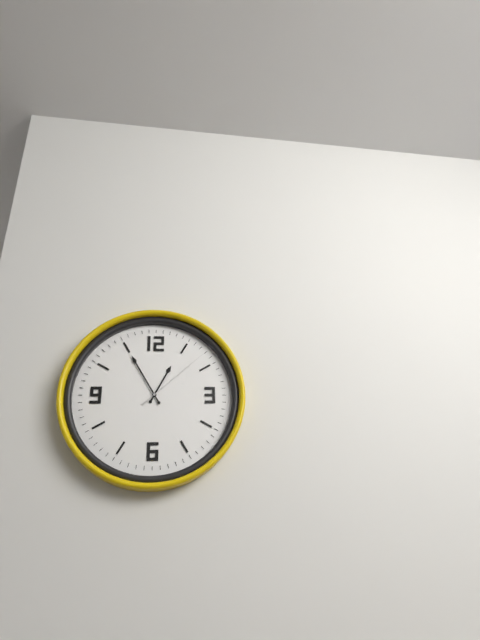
12:55:08
